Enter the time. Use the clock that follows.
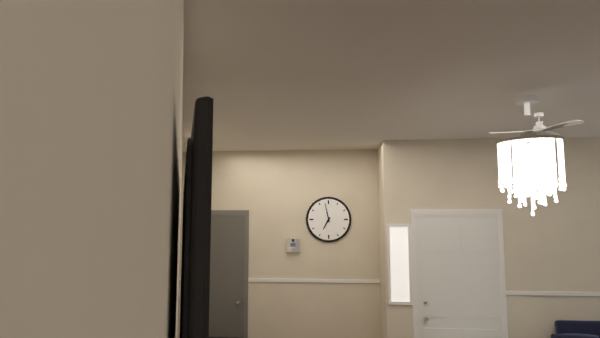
6:58
